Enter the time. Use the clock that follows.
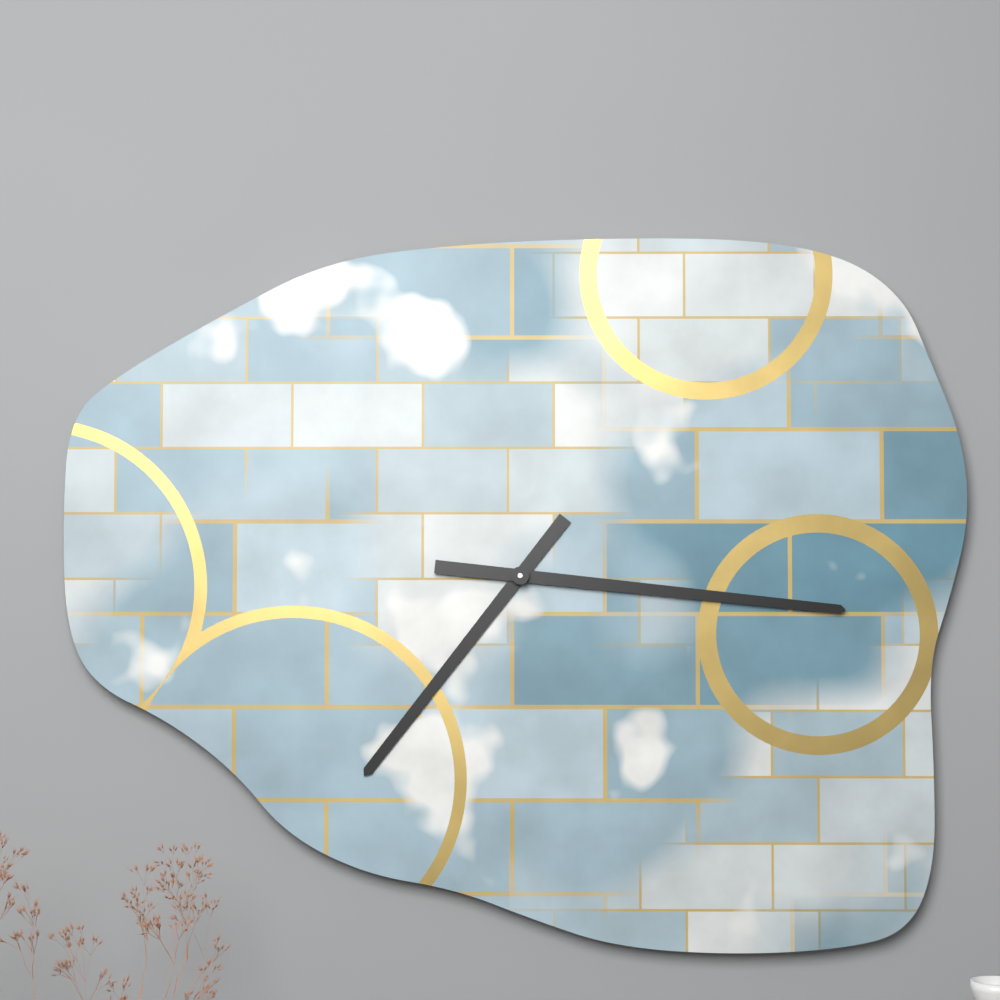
7:16
